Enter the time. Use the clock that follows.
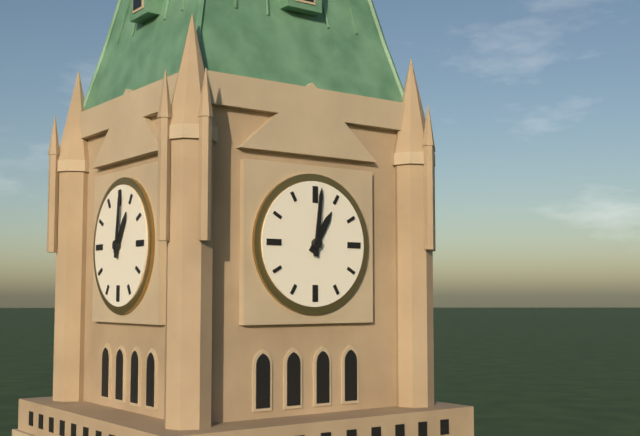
1:01
